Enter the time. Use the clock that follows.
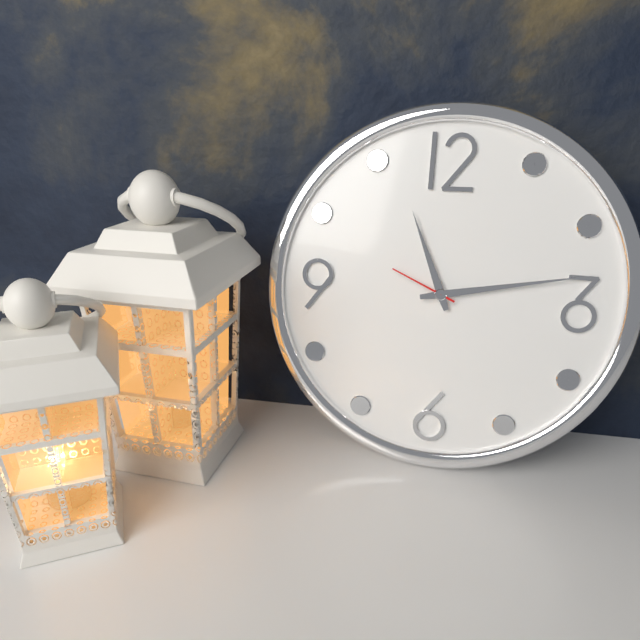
11:13:49
